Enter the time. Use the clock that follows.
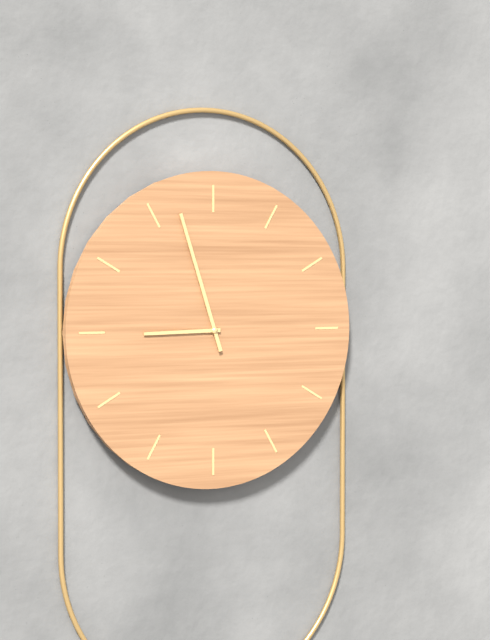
8:57
